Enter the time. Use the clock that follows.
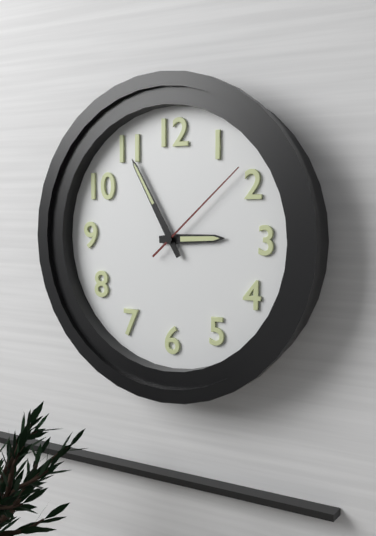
2:55:08
